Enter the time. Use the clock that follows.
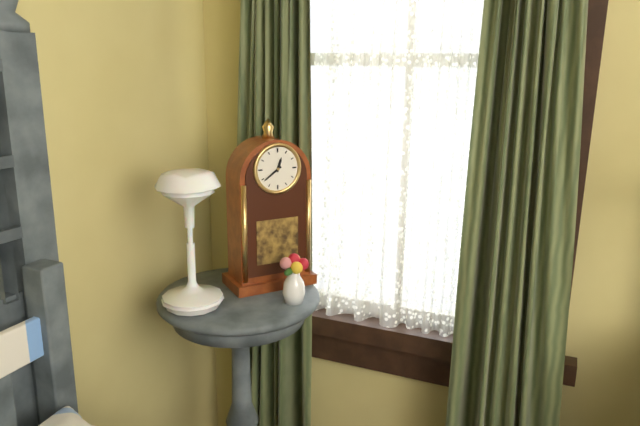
12:39
